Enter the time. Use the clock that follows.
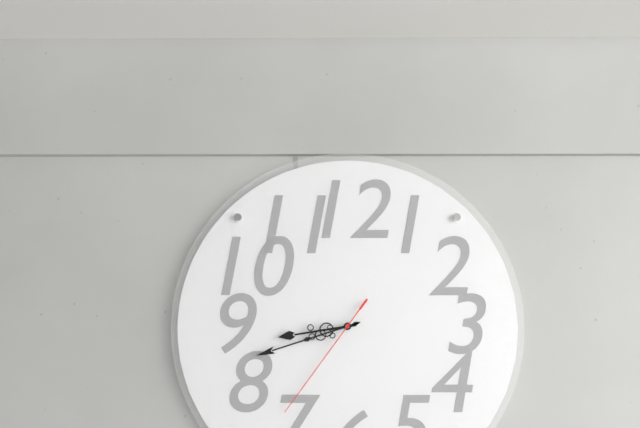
8:42:36
